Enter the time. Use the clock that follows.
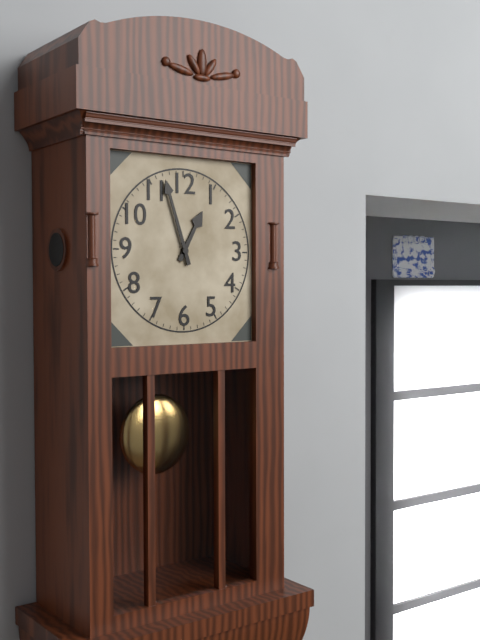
12:57
